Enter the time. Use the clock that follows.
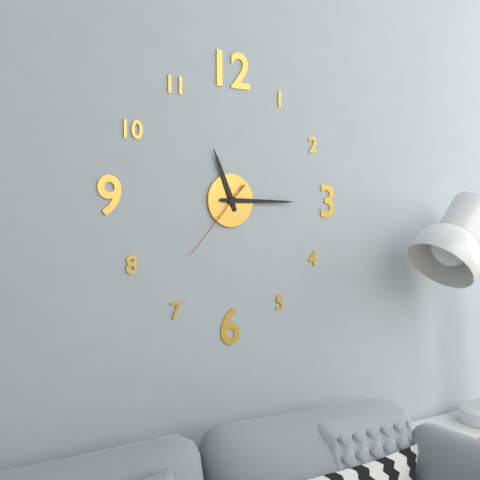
11:15:37
